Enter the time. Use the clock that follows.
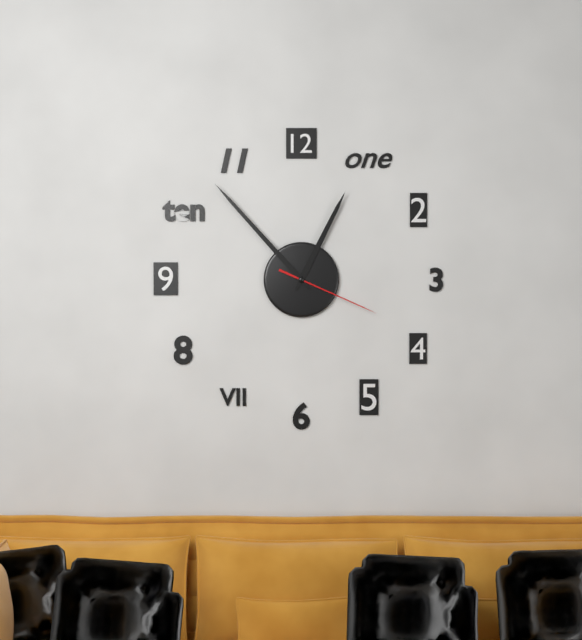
12:53:19
